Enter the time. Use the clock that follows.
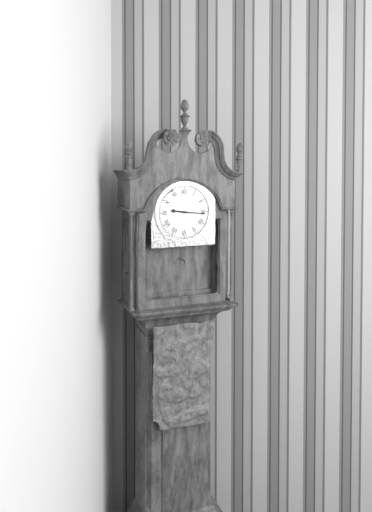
9:16
